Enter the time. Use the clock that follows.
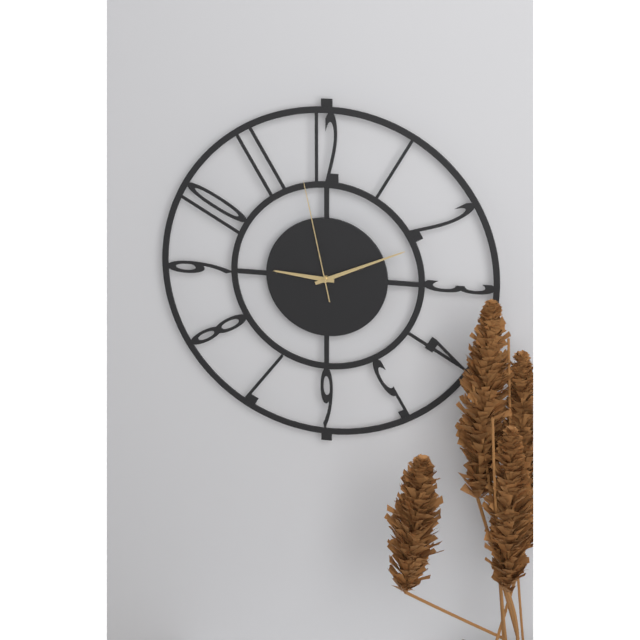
9:11:58
